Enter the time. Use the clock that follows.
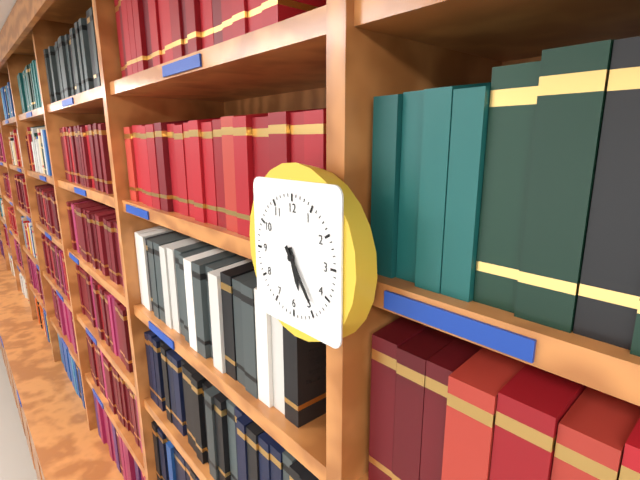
5:24
